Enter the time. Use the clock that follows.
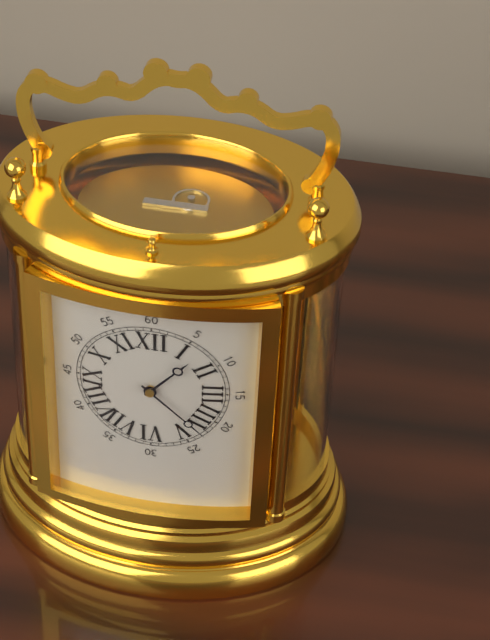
1:22
